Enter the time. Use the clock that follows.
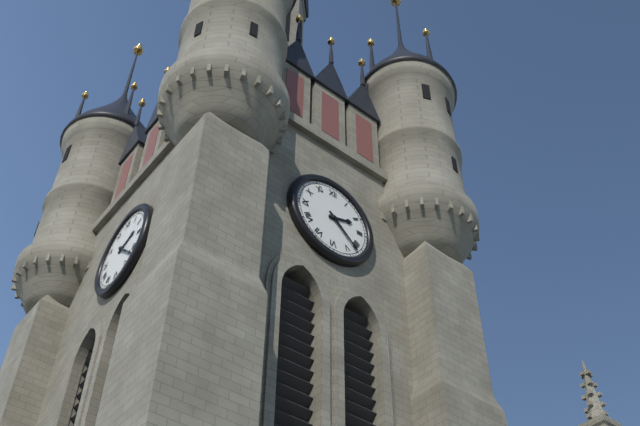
2:22
